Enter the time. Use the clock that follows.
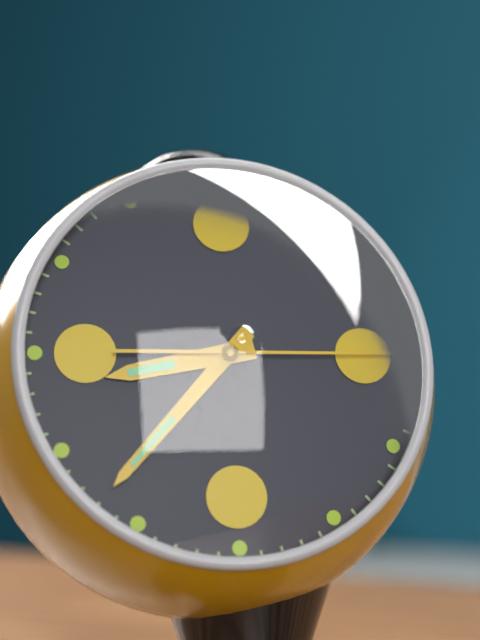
8:37:15
